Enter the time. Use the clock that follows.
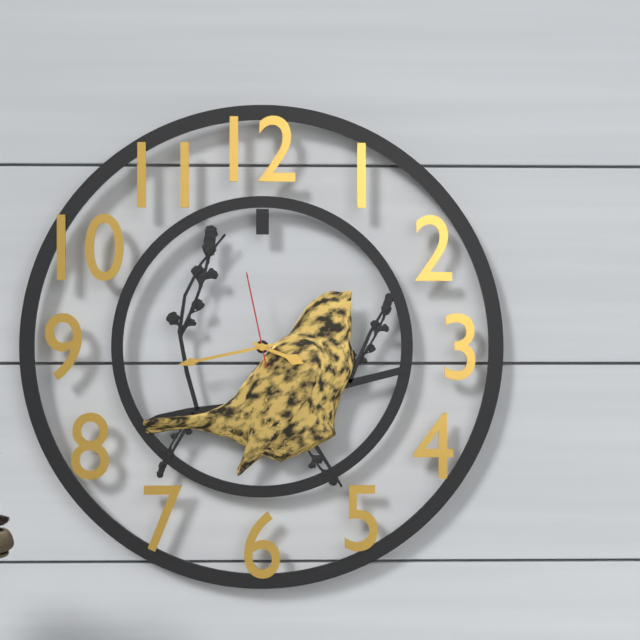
3:43:58
